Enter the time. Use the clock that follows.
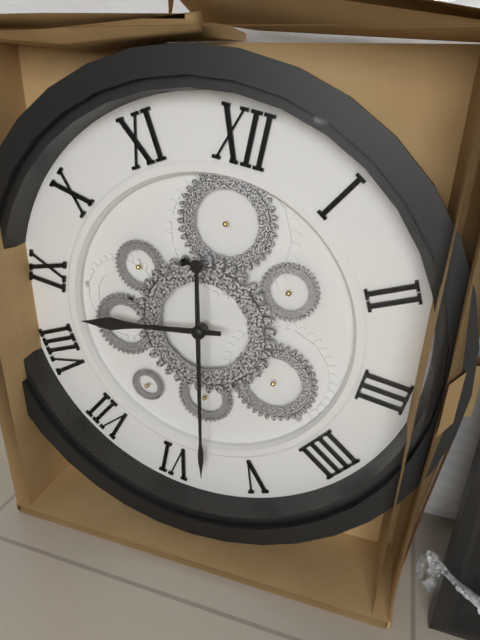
8:28
